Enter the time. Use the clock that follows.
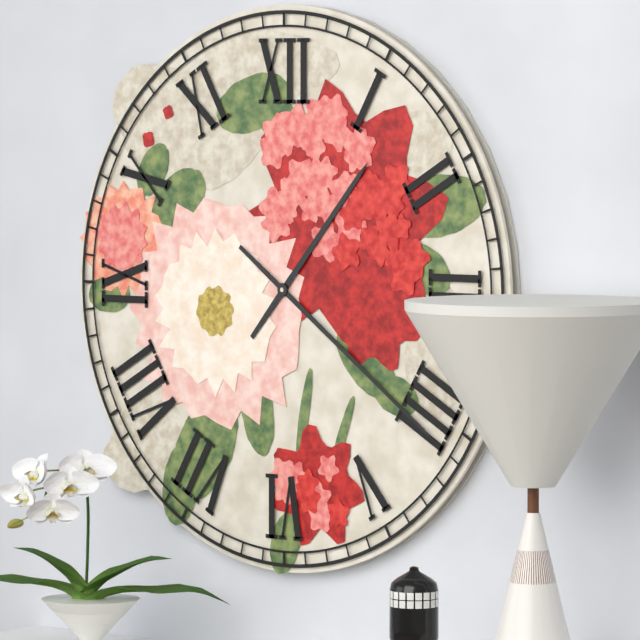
1:21
